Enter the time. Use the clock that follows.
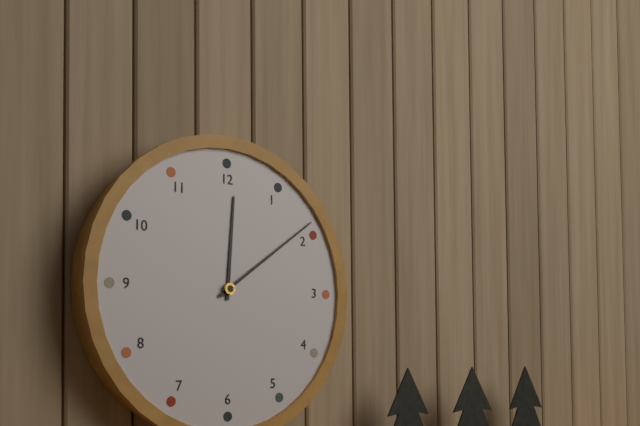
12:09
